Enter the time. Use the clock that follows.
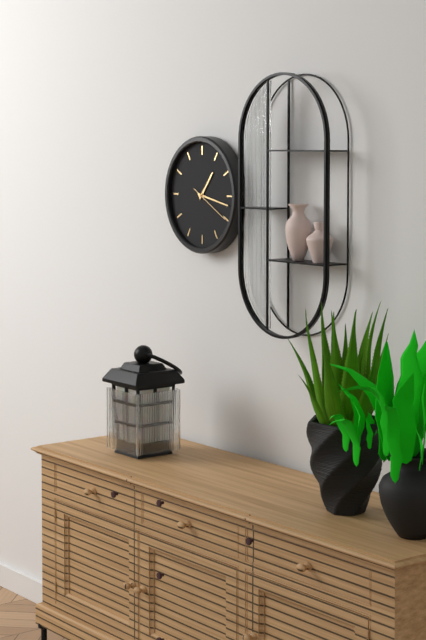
1:17
